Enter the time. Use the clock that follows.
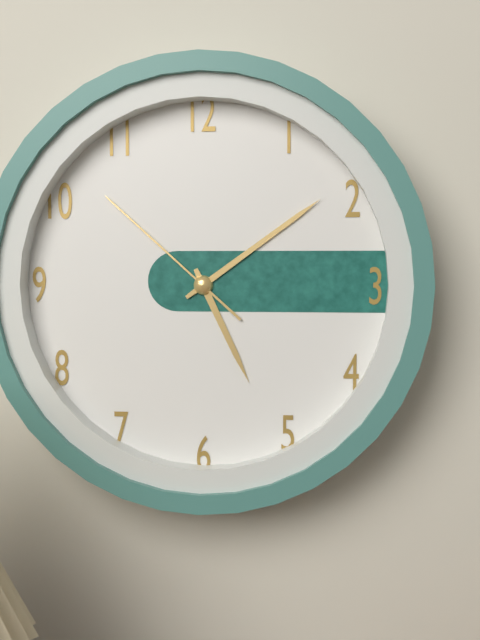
5:09:52
